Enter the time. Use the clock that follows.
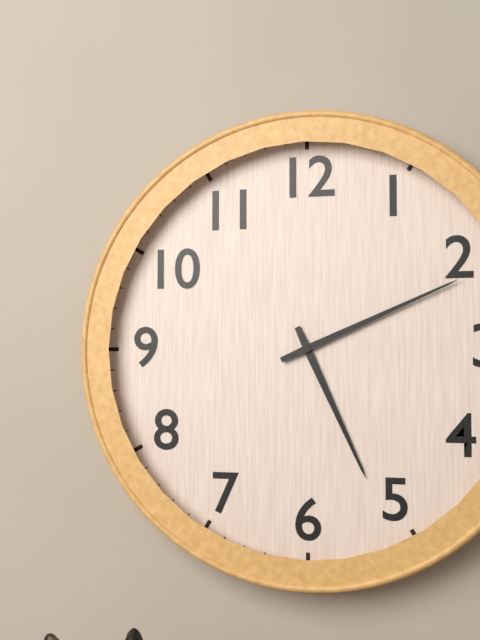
5:11
